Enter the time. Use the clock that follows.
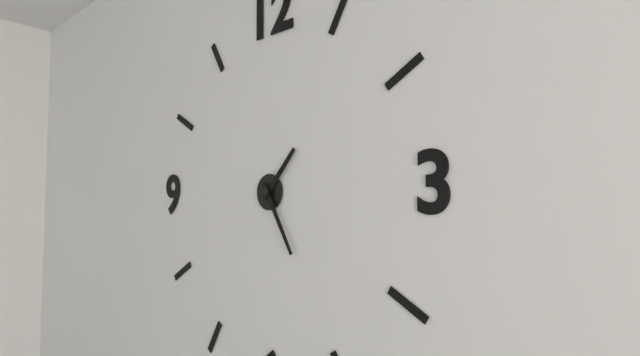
1:25
